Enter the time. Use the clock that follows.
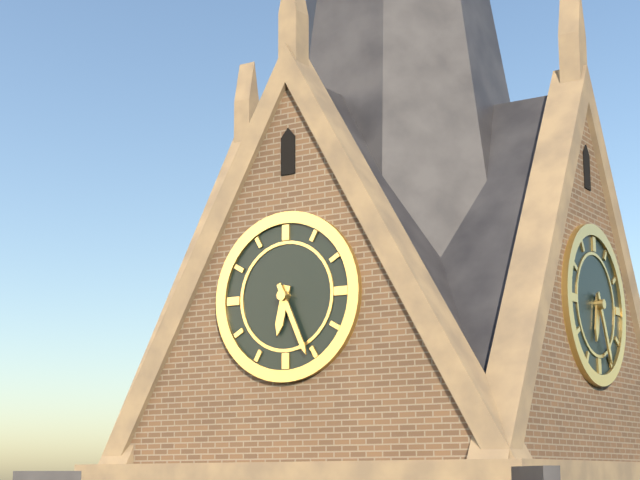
6:26
